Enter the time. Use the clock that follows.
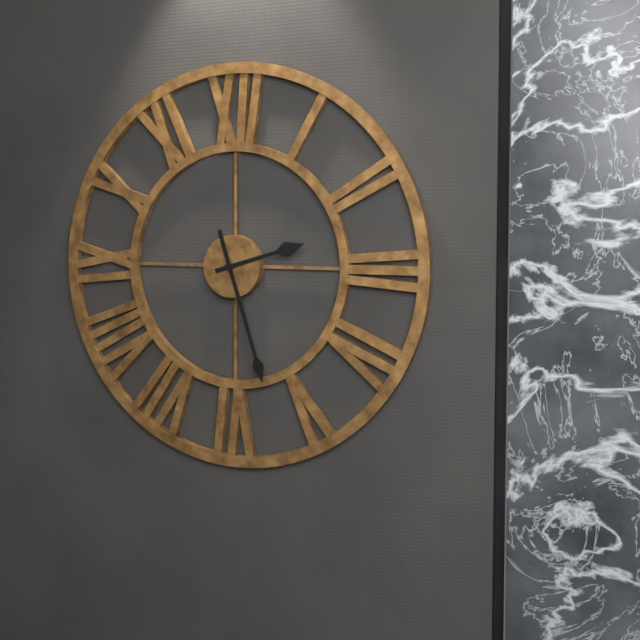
2:27
